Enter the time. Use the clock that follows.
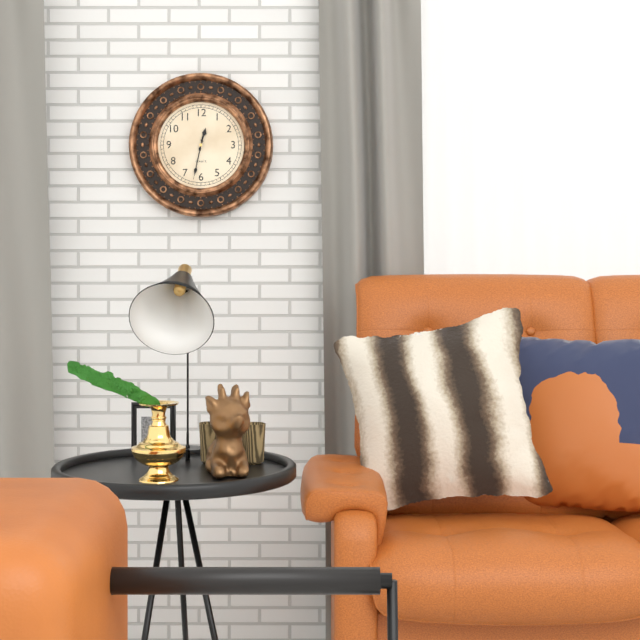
12:32
